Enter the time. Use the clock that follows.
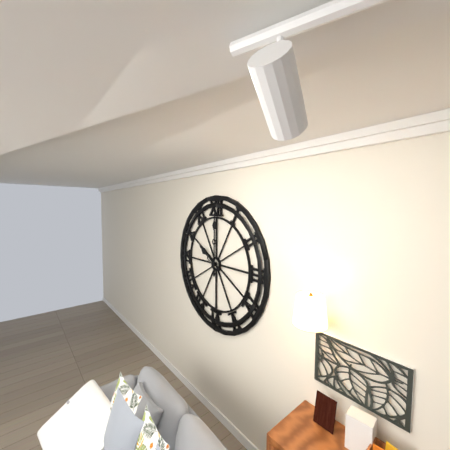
10:00
